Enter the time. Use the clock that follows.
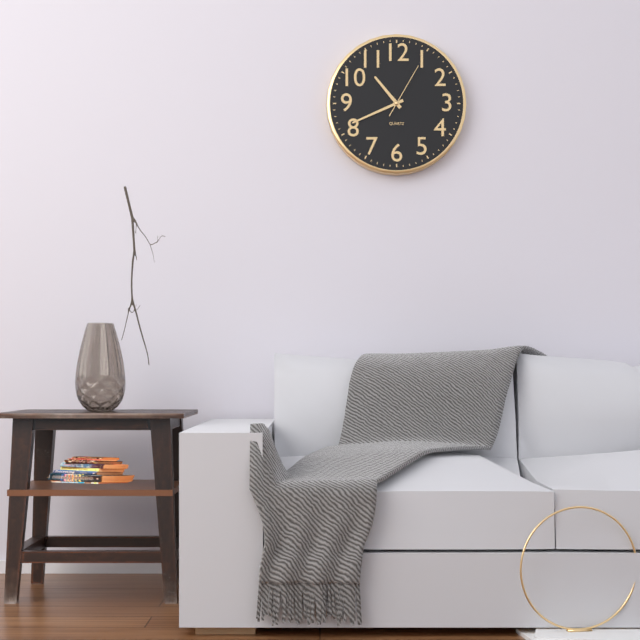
10:41:05
